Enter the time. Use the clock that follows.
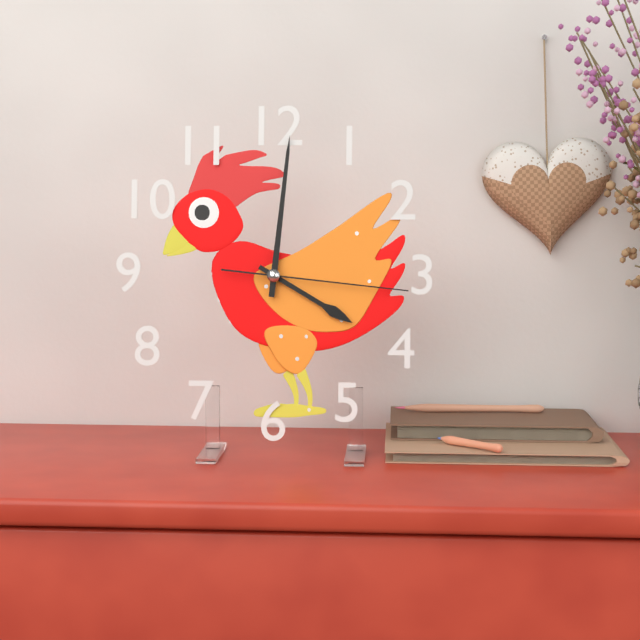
4:01:16
